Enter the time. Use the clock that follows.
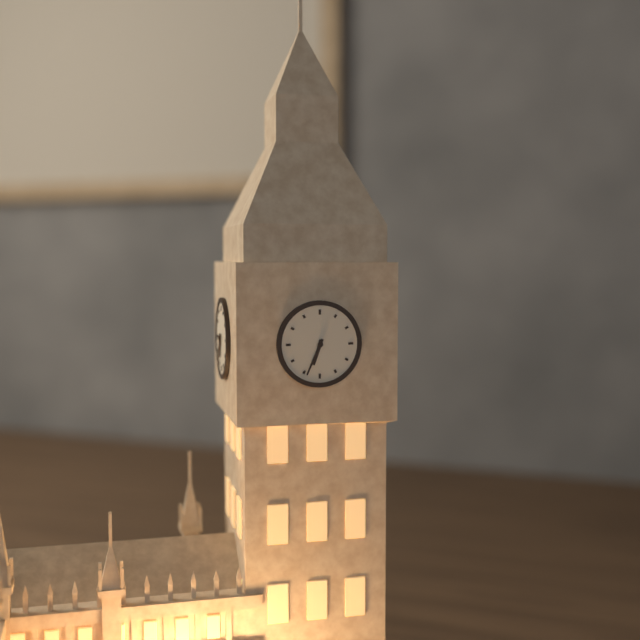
6:34
